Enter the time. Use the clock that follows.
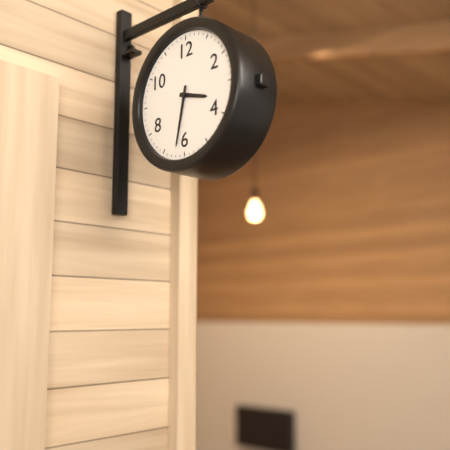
3:32
